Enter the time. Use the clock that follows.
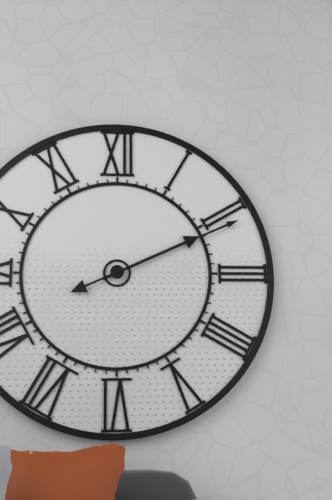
2:11
